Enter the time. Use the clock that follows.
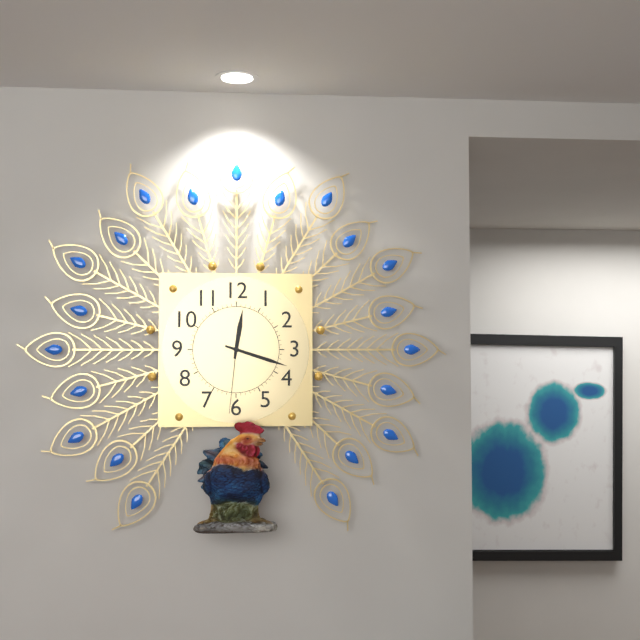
12:18:31
